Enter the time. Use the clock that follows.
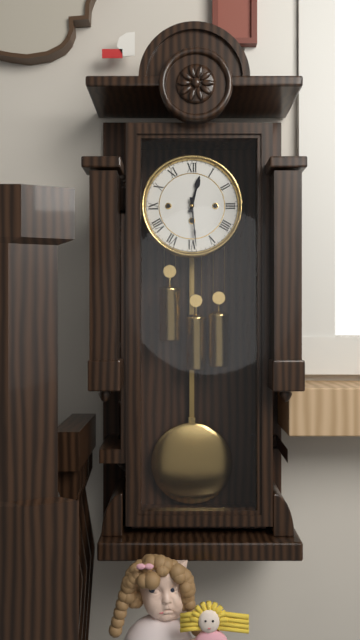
12:29
